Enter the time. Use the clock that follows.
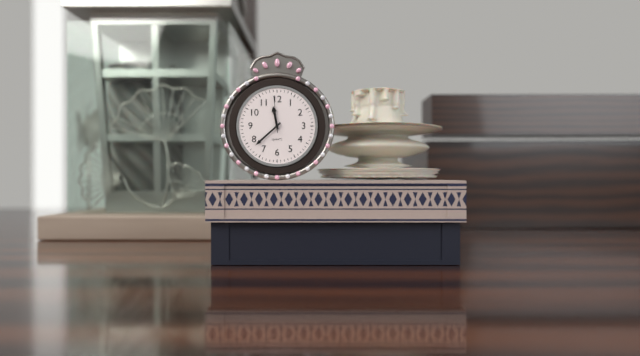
11:38
